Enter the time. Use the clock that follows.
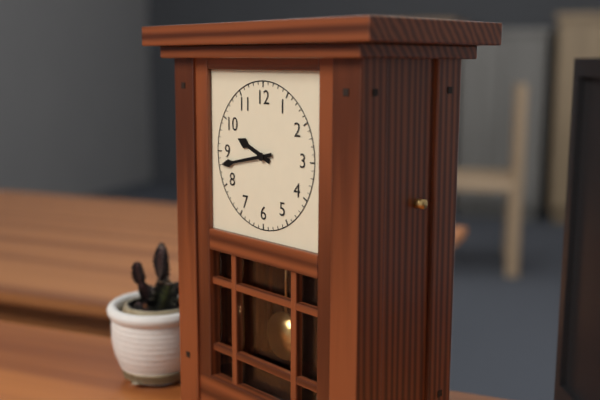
9:43
